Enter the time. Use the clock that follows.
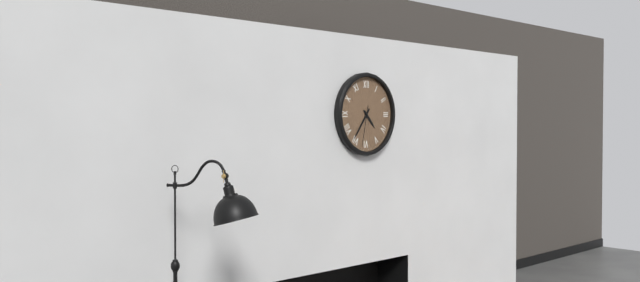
4:36
